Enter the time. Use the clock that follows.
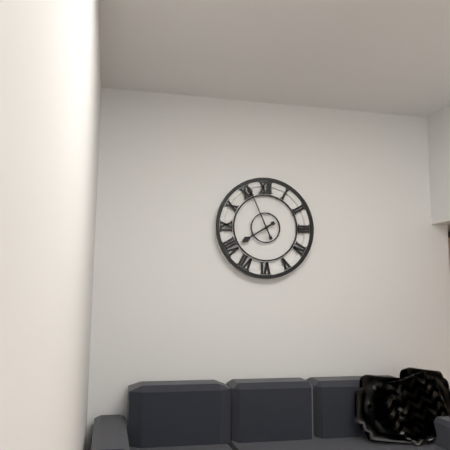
7:56
